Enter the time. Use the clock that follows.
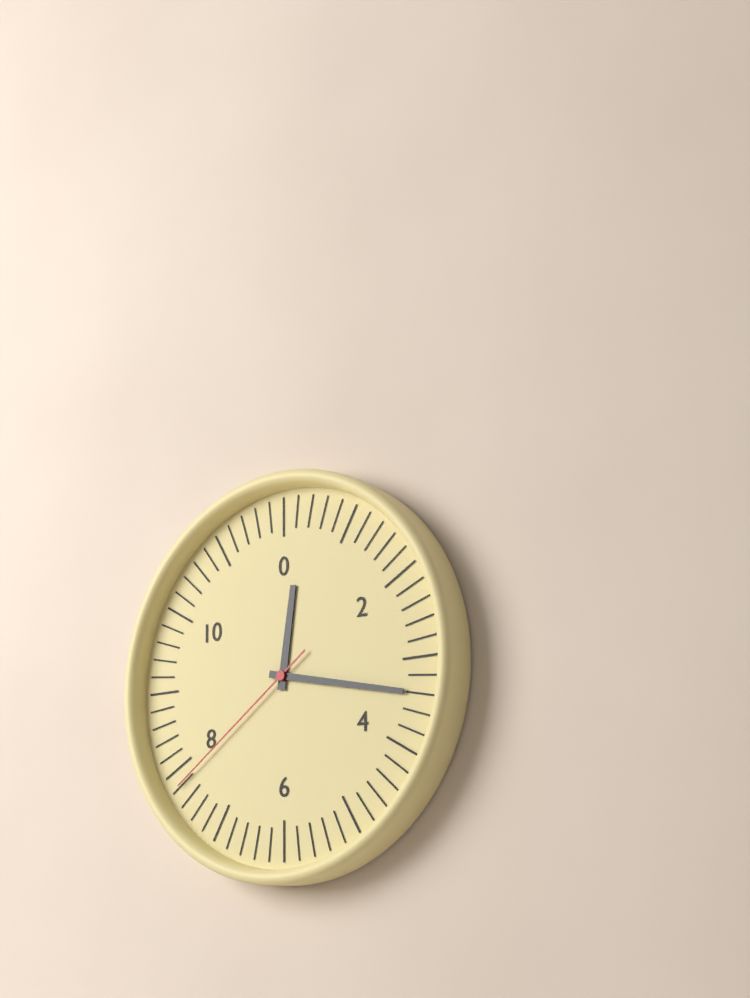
12:17:39
